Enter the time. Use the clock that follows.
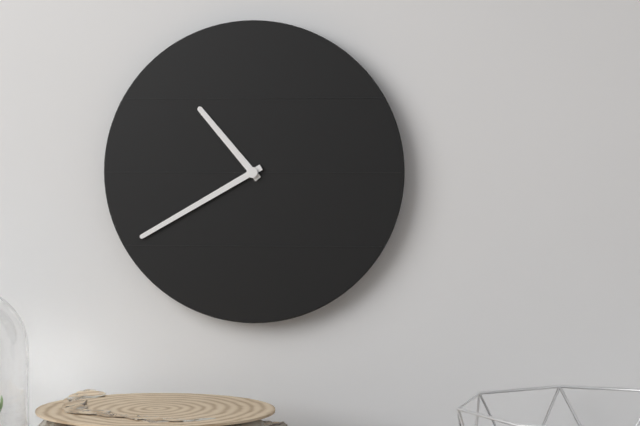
10:40
